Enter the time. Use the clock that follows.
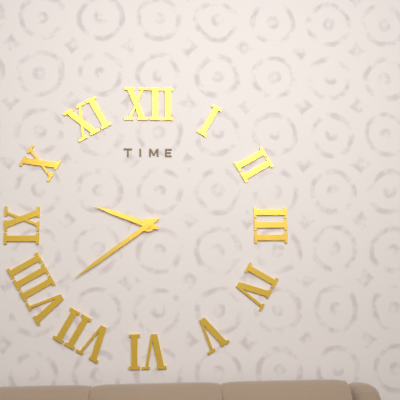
9:39
